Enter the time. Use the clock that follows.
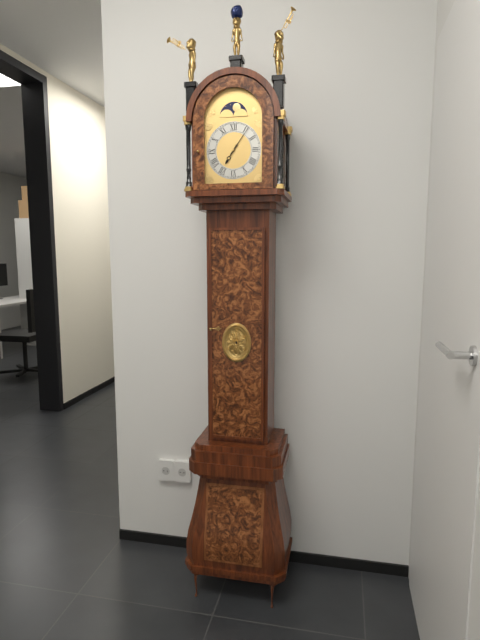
7:06
